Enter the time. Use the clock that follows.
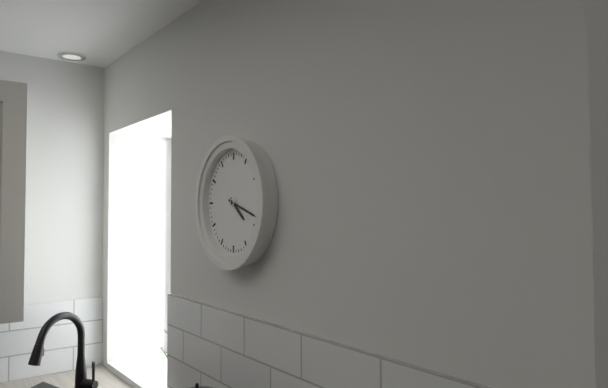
4:18
